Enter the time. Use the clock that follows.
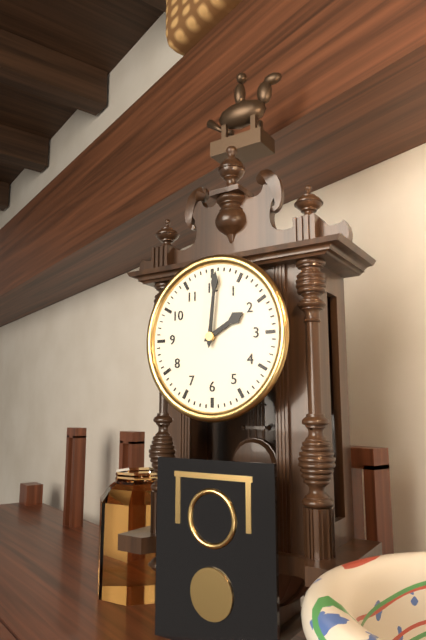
2:01
